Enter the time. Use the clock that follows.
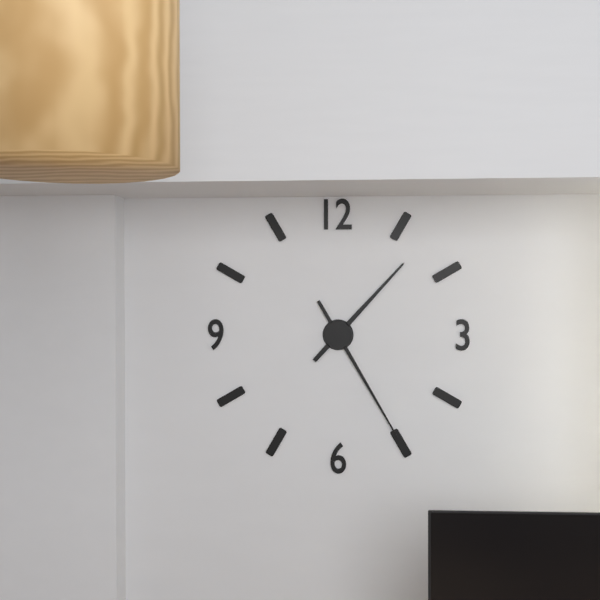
1:25
